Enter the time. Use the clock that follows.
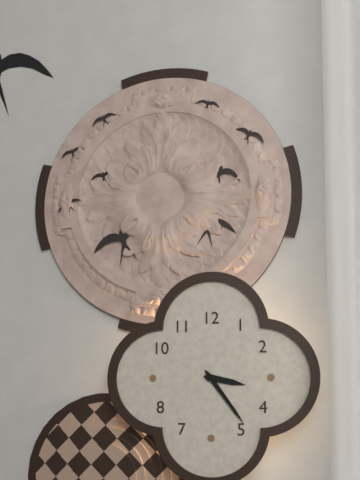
3:24
